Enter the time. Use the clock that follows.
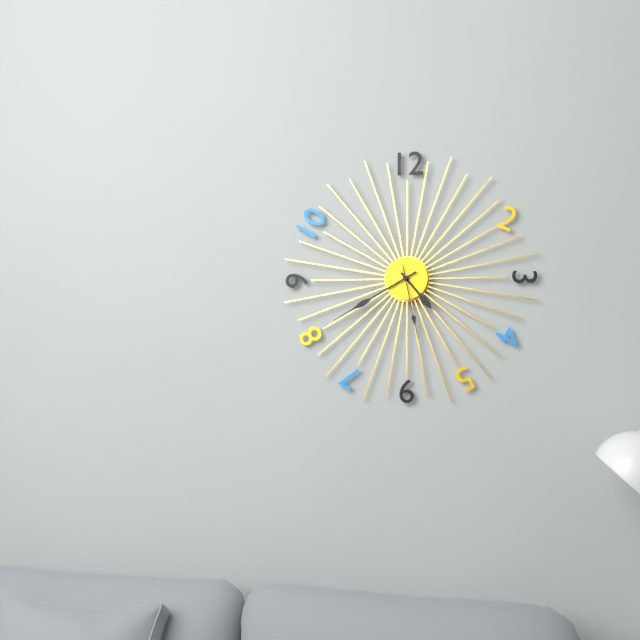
4:40:28
